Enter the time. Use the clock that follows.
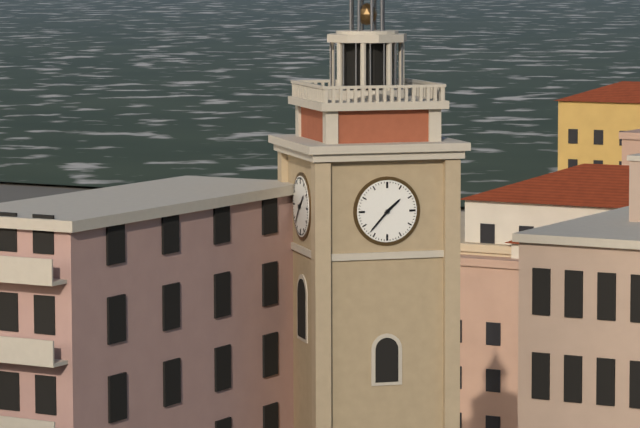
1:37
